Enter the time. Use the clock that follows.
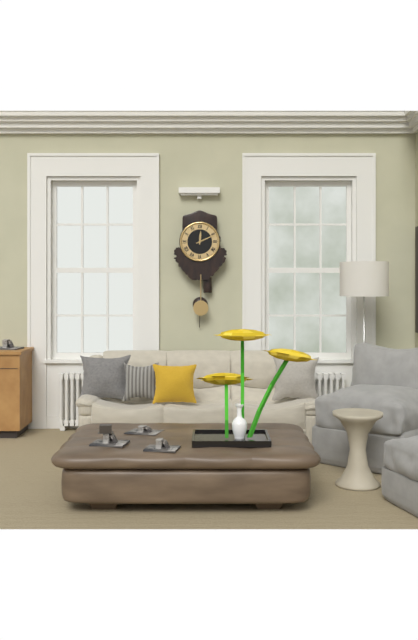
12:11
